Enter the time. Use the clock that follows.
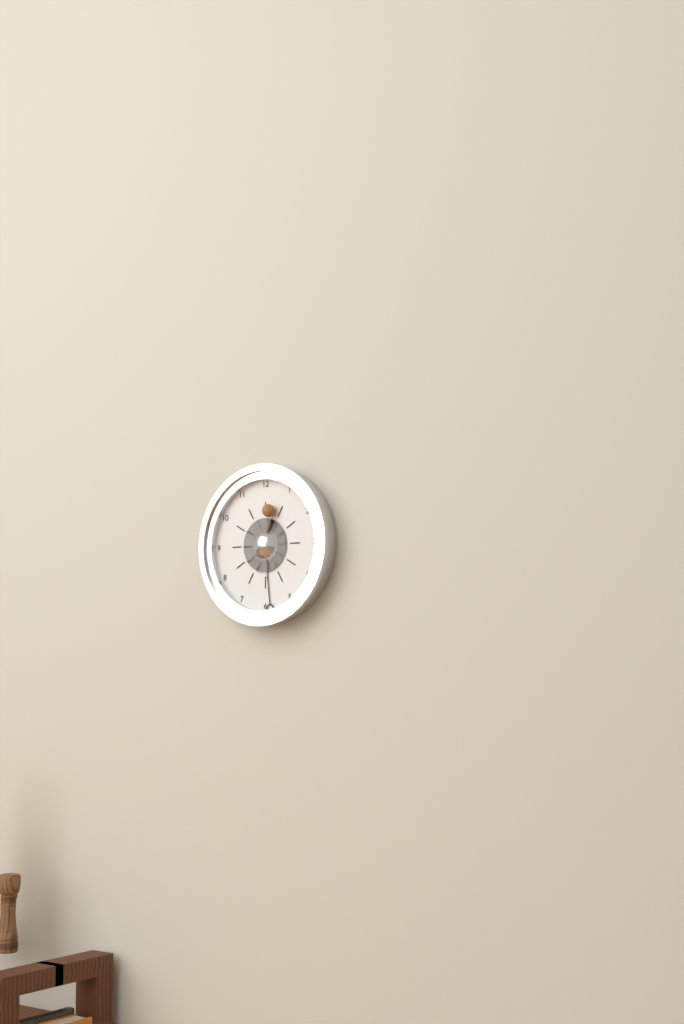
12:29
